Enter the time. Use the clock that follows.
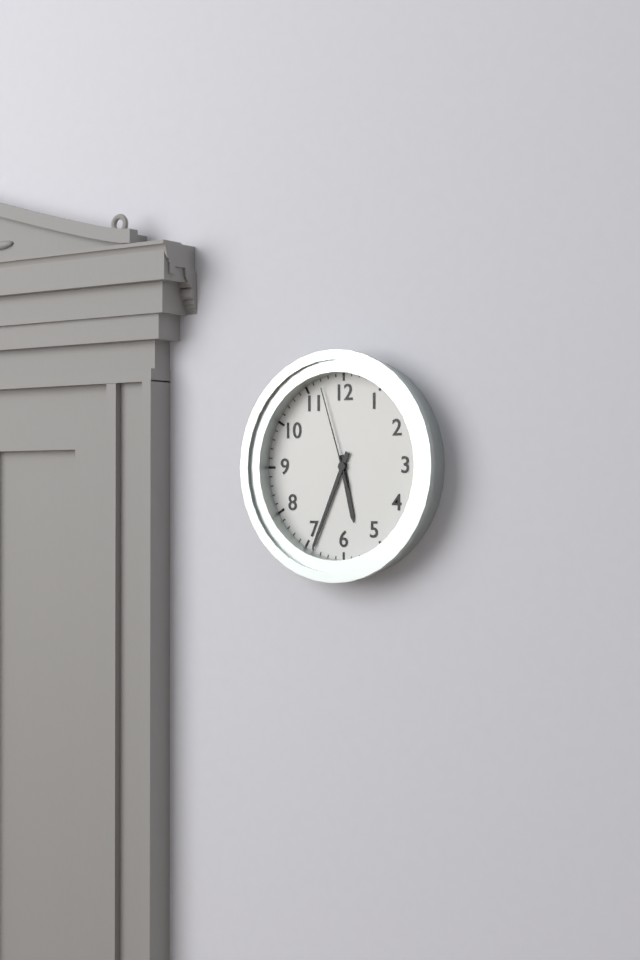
5:34:57
